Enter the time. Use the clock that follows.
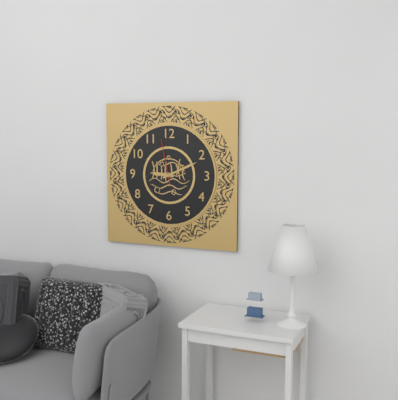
9:11
